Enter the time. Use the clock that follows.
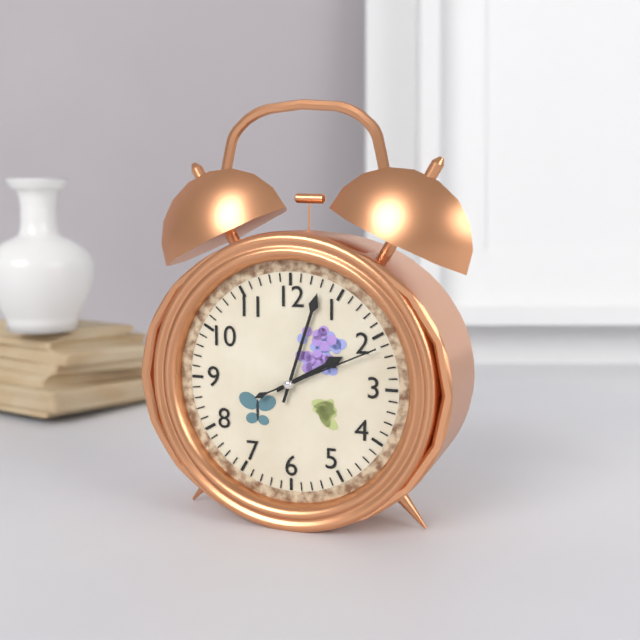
2:03:11
